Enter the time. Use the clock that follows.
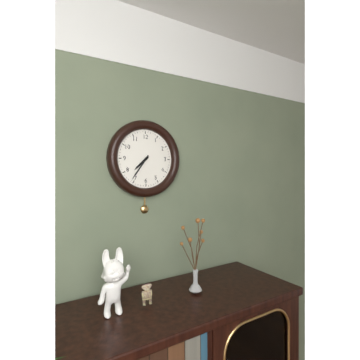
7:36
